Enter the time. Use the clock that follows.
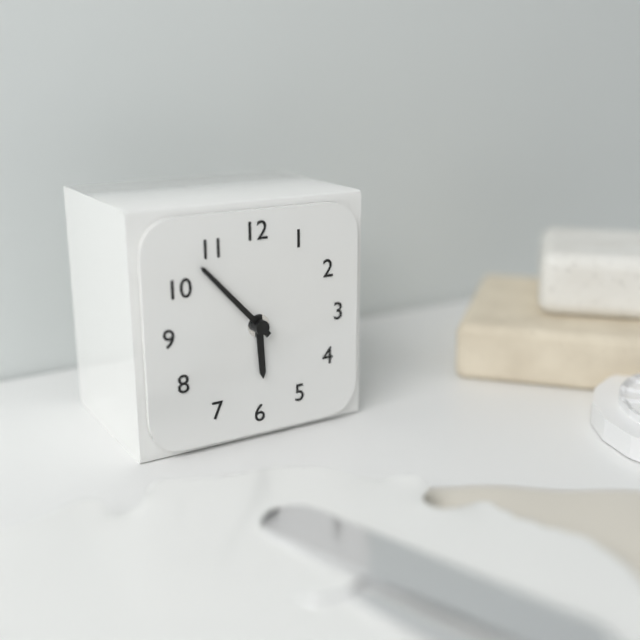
5:53
